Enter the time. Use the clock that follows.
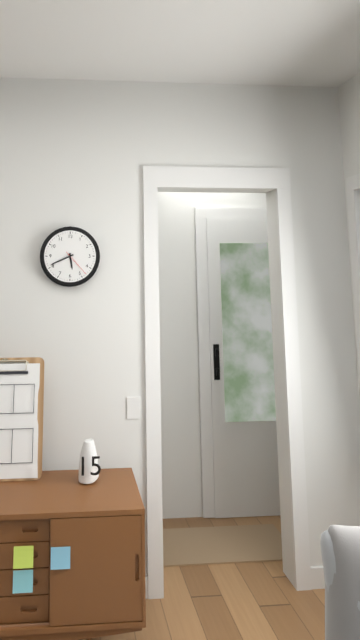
5:41
